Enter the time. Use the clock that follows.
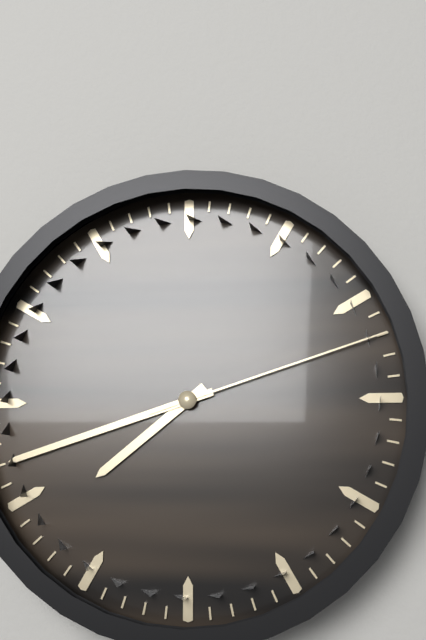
7:42:12
